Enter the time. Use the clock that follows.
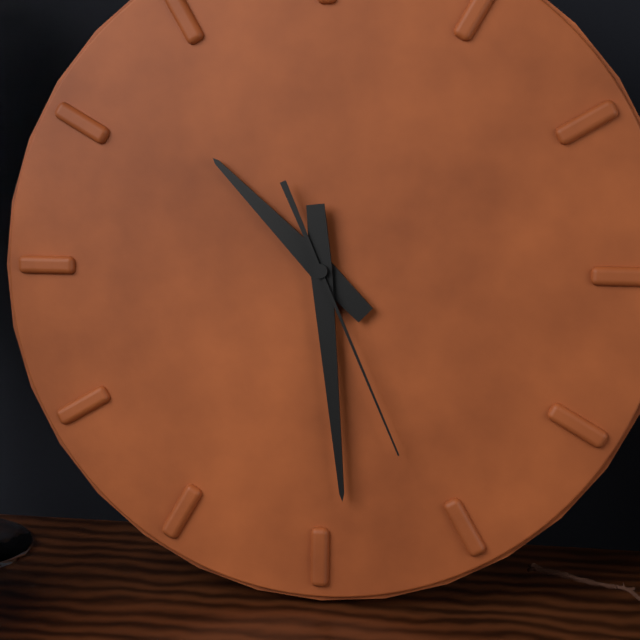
10:29:26
